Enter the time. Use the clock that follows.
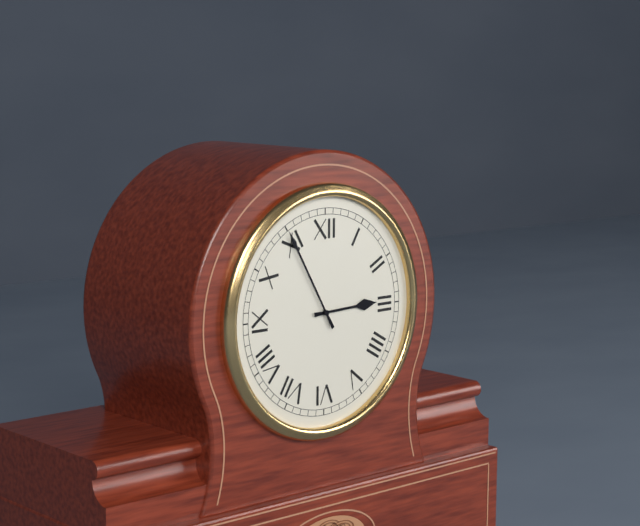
2:55
